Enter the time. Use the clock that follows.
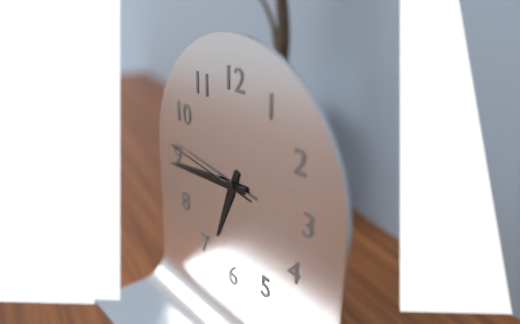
6:44:46
